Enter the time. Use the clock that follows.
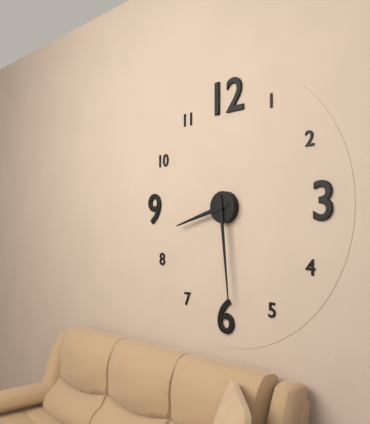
8:29
